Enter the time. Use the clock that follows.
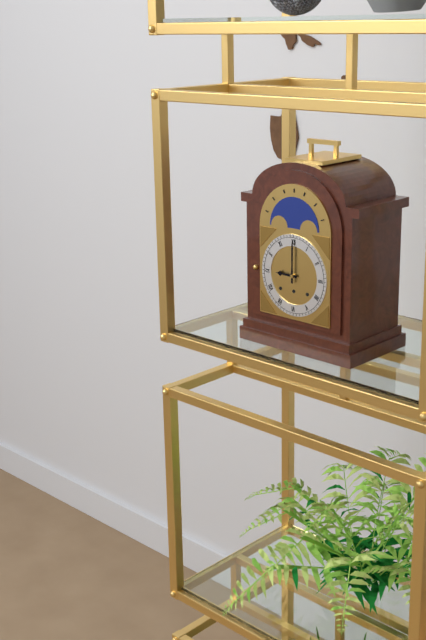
9:00
